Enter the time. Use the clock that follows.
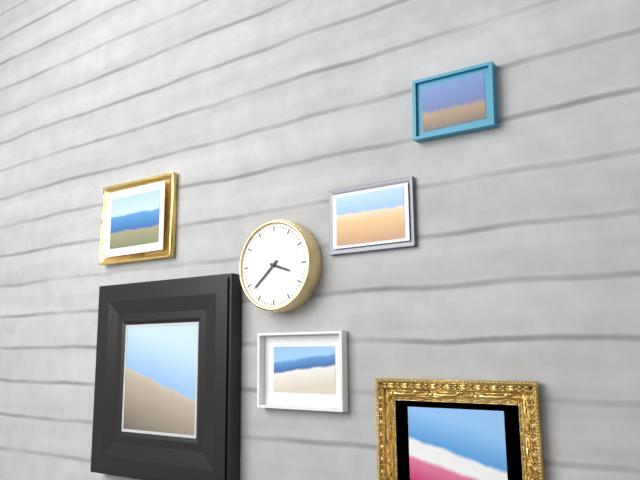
3:38
